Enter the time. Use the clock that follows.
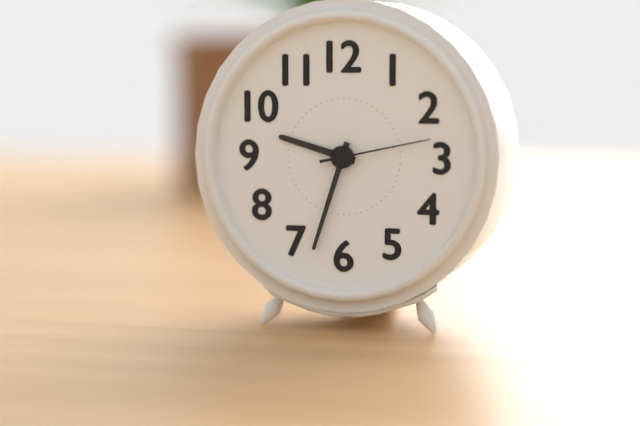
9:33:13
